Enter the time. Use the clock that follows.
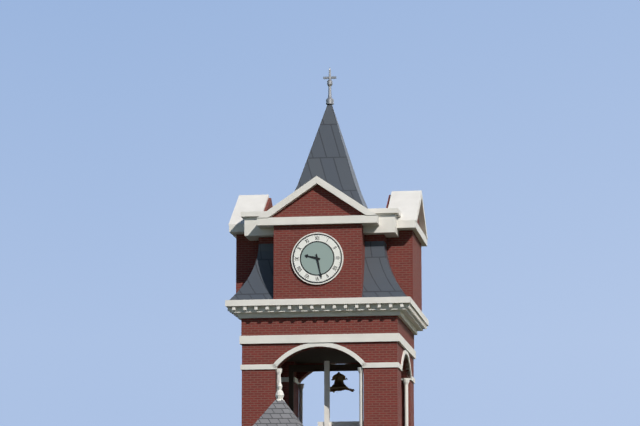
9:28
